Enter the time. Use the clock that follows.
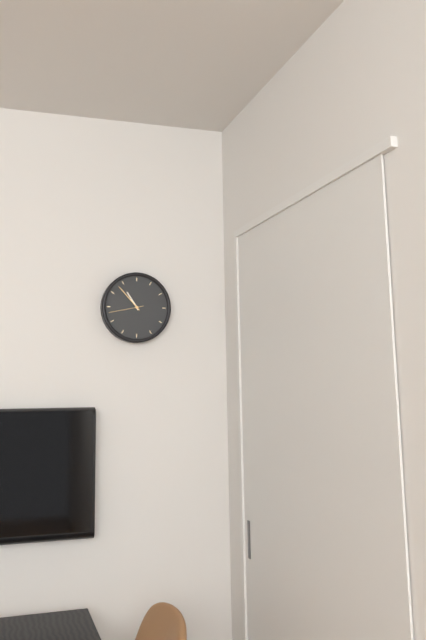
10:53
